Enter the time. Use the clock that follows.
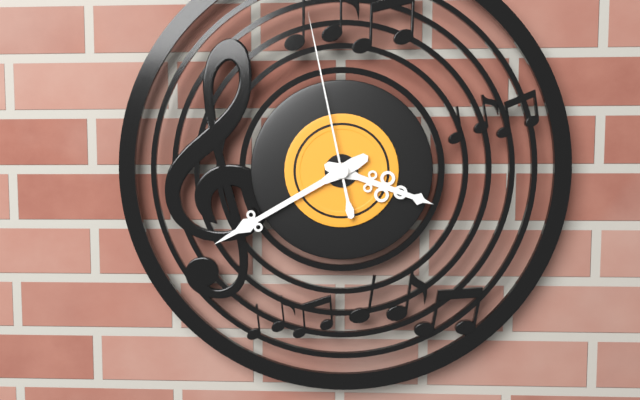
3:40:58
